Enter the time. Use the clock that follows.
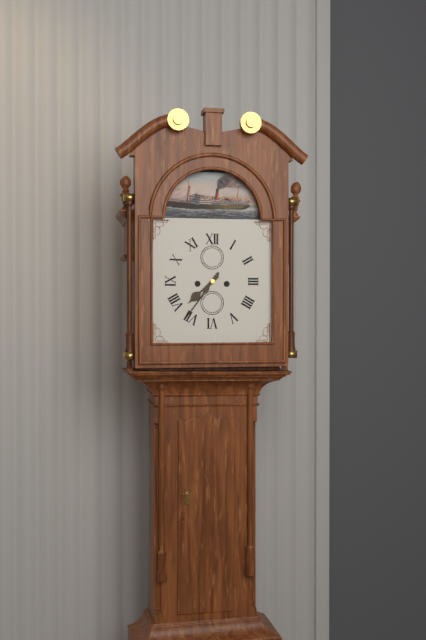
7:36
